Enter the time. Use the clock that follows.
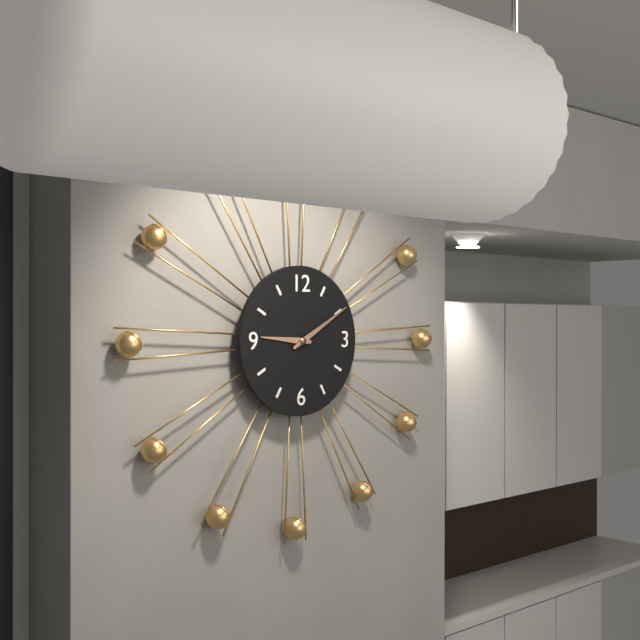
9:10
